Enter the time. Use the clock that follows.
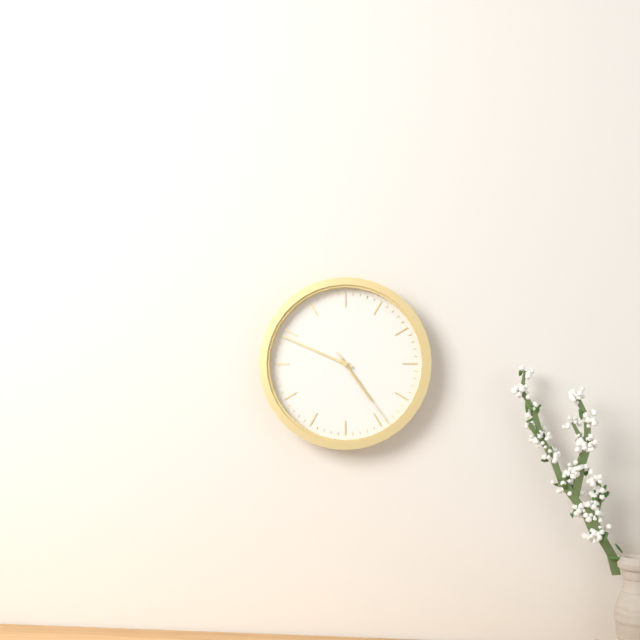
4:49:24
